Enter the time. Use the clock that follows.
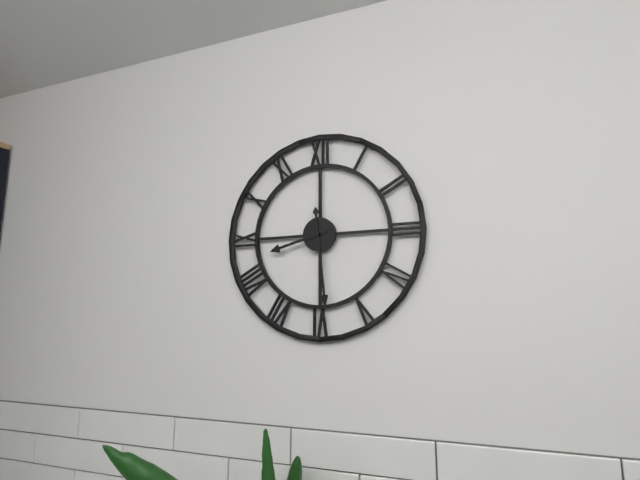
8:29
